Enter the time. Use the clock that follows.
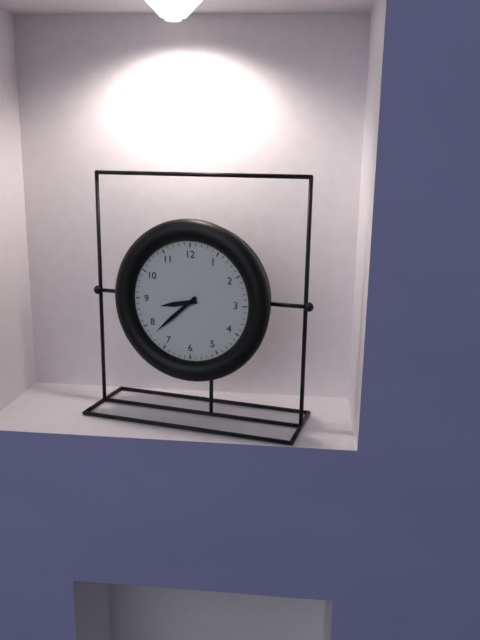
8:38
